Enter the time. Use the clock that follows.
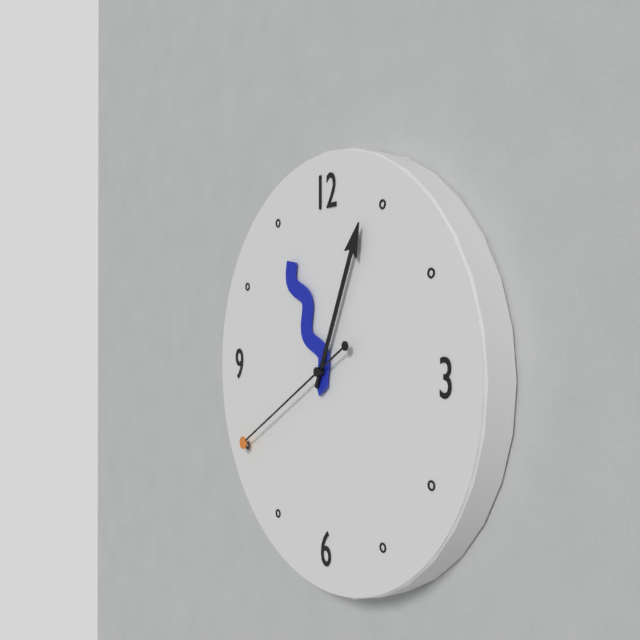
11:04:40
